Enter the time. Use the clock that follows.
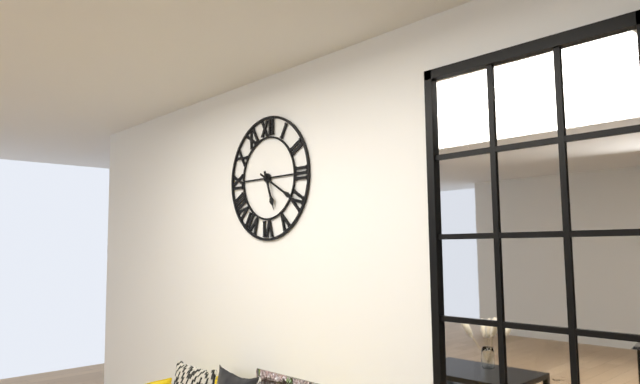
5:20
